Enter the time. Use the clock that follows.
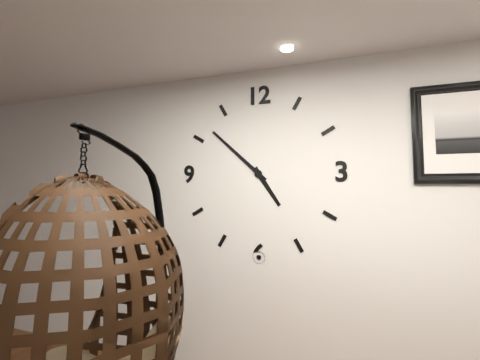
4:52
